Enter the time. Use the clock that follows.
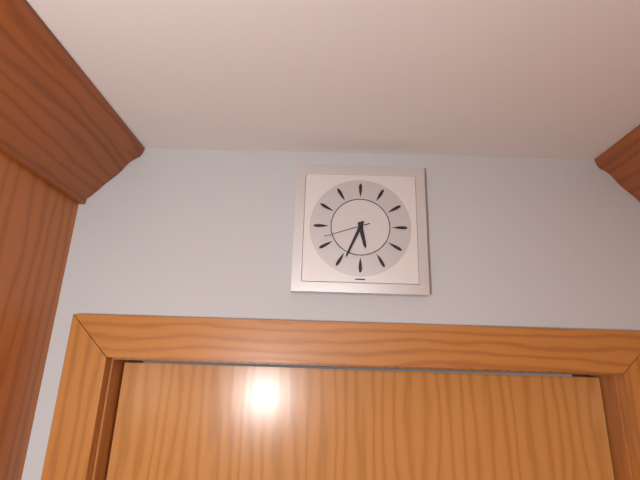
5:34
